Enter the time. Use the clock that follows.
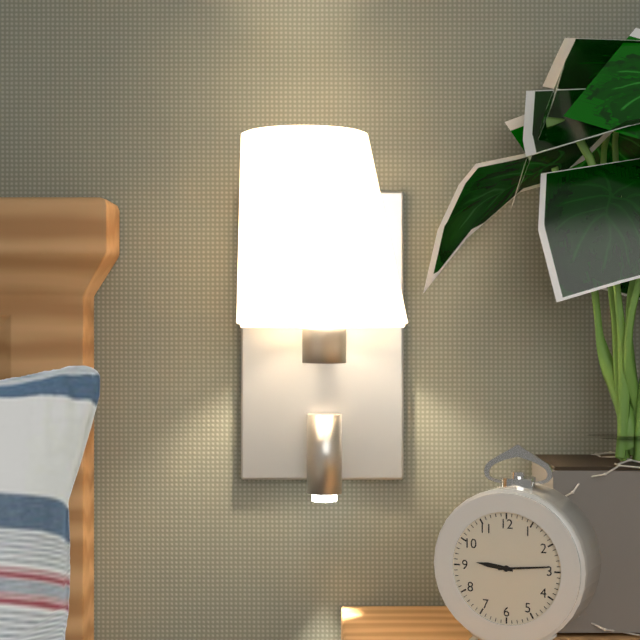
9:14
